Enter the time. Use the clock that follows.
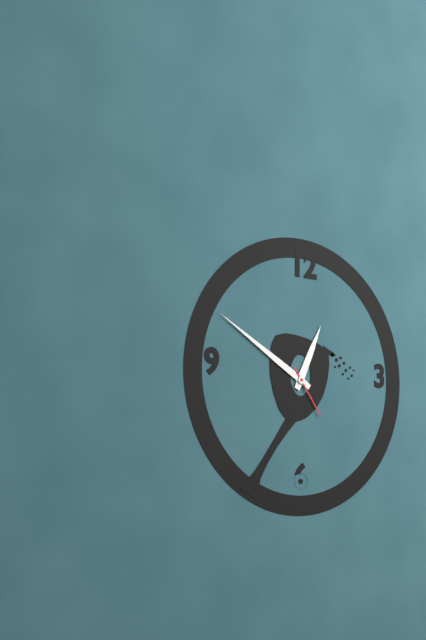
12:50:24
